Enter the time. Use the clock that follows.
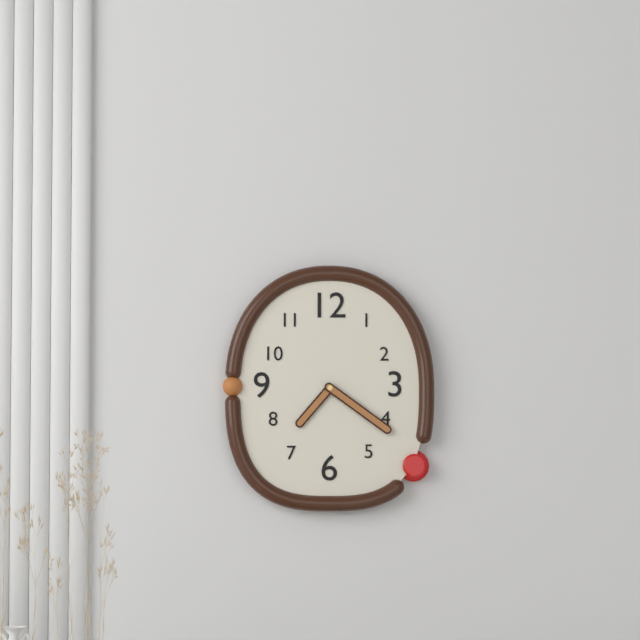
7:21
